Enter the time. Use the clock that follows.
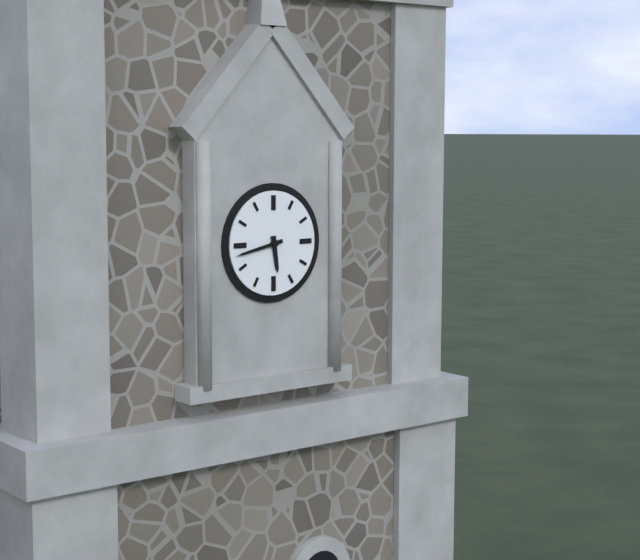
5:43
